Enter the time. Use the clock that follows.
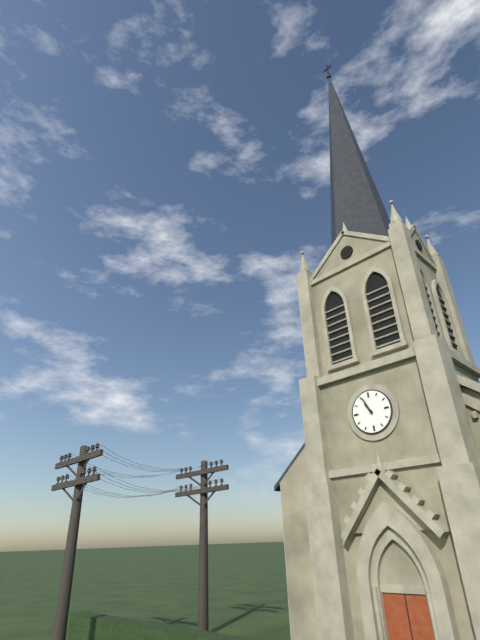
10:56
